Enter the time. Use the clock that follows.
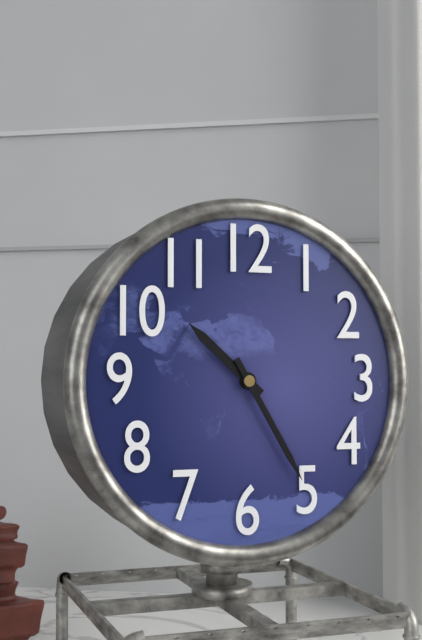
10:25
